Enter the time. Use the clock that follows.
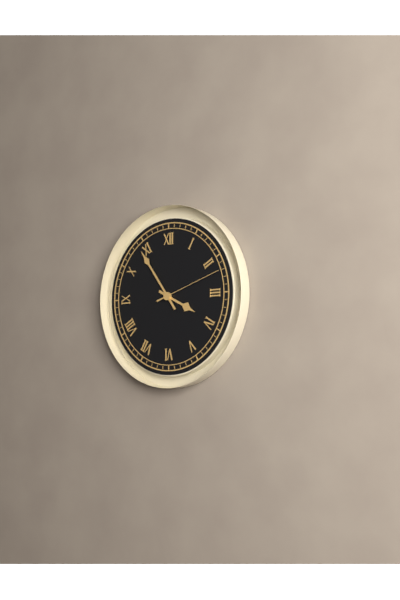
3:54:12
